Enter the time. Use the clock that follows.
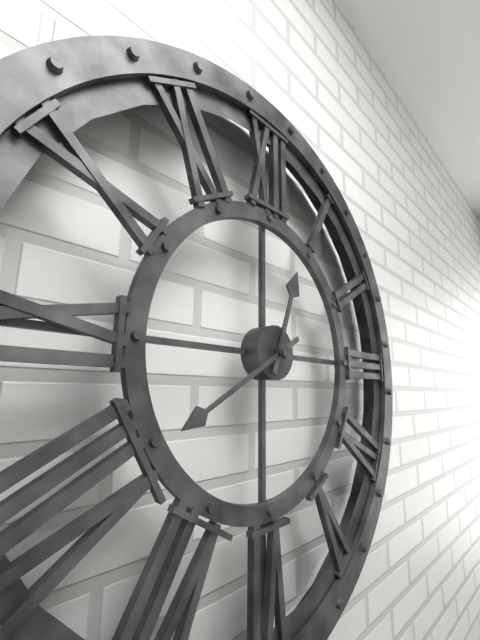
12:40
